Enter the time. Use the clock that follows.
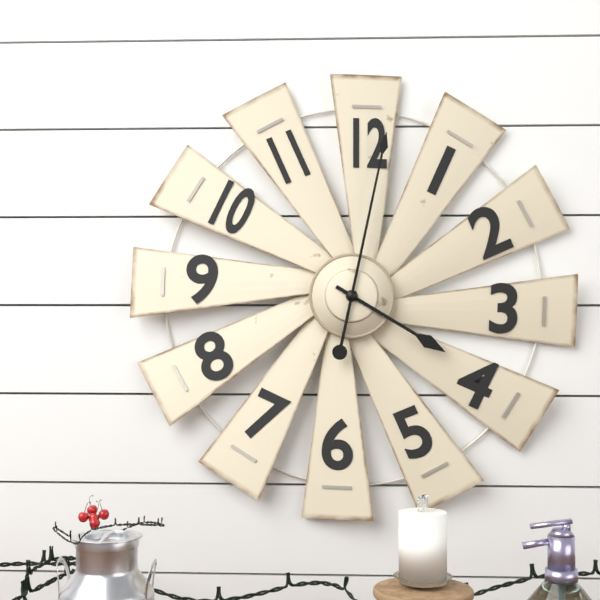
4:02
